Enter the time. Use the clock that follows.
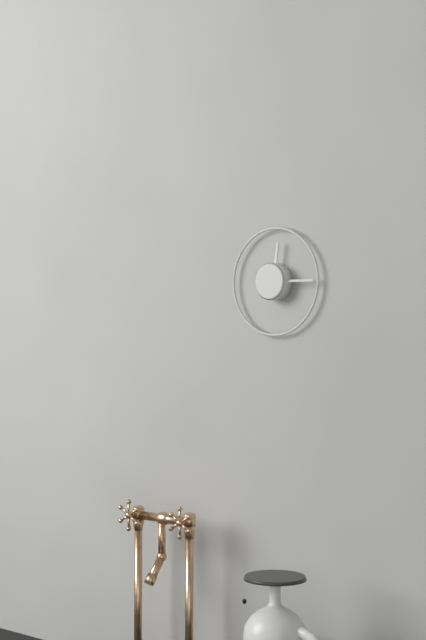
12:15
